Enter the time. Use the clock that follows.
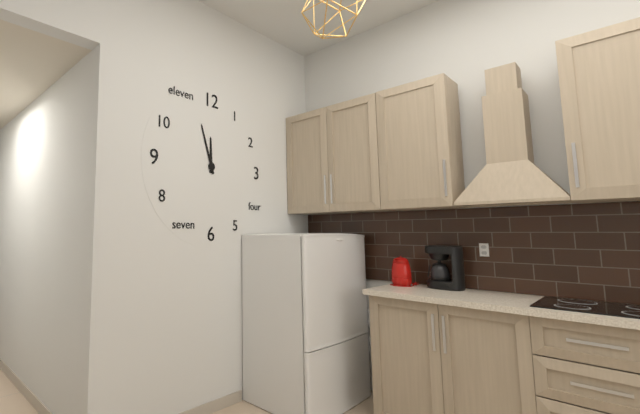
11:57
